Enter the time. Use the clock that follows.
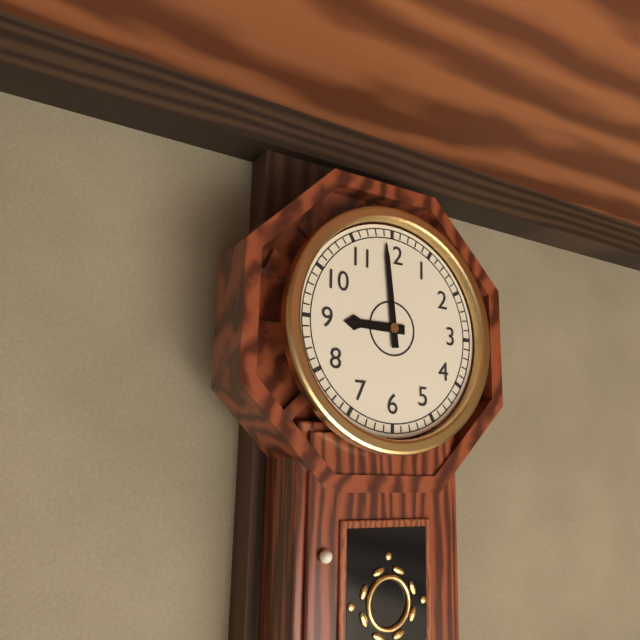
8:59
